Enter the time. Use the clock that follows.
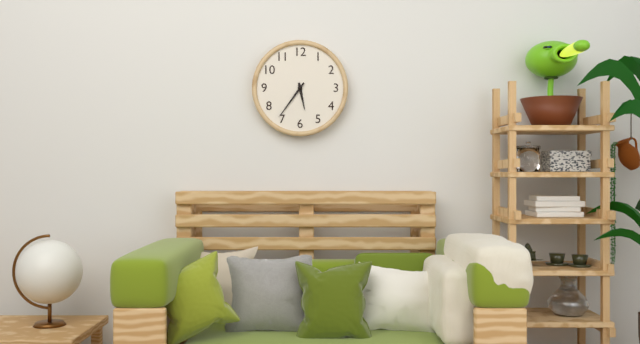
5:36
